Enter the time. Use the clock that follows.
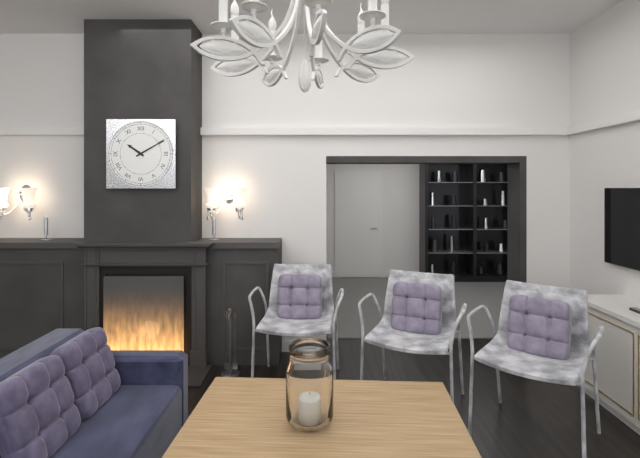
10:10
